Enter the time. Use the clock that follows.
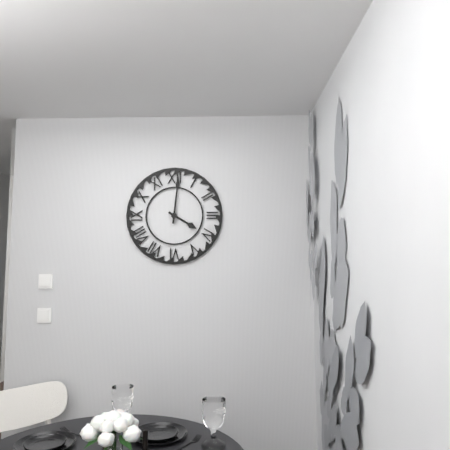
4:01
